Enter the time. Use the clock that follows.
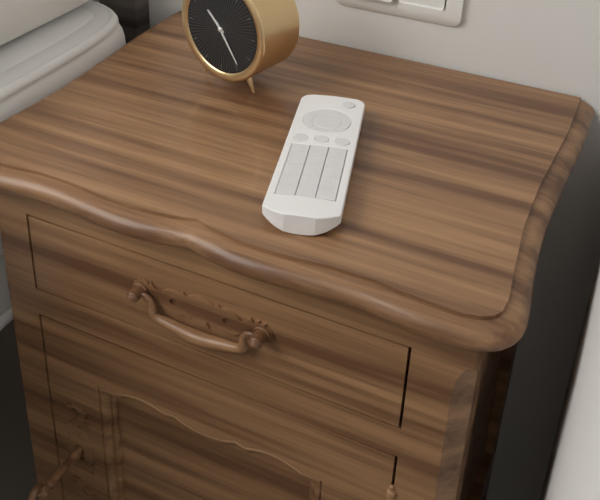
10:24
